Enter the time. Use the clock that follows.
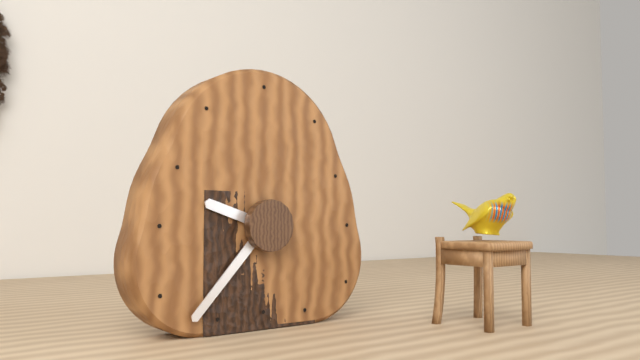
9:37
